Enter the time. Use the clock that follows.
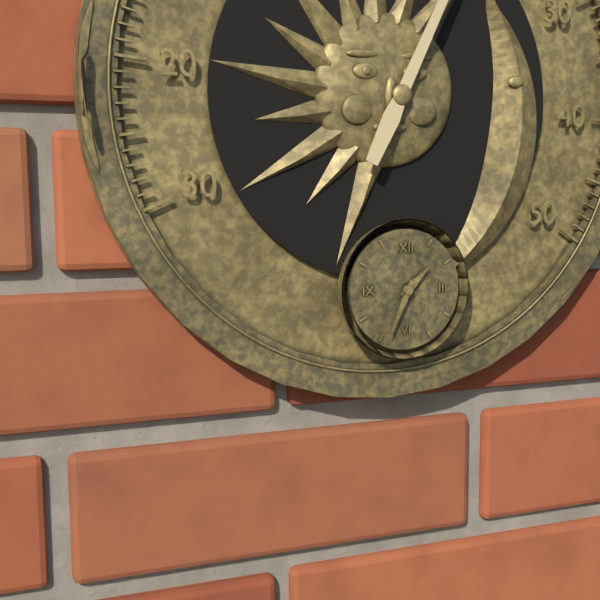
1:34
